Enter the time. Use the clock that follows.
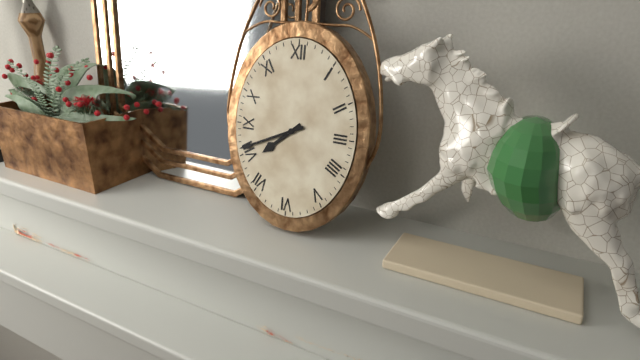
7:41
